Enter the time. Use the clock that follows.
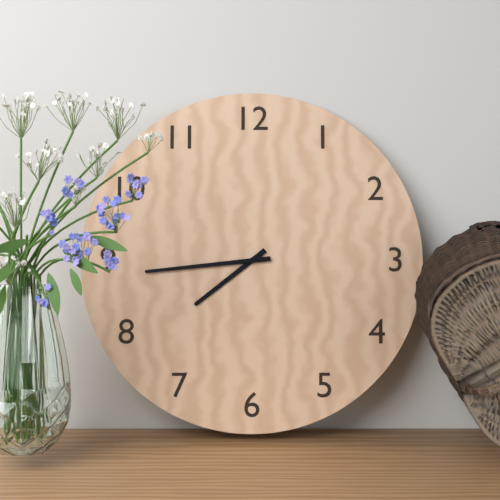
7:44
